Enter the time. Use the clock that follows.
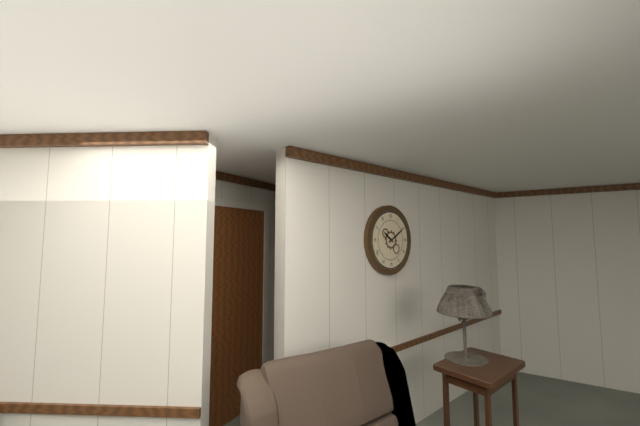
10:10
